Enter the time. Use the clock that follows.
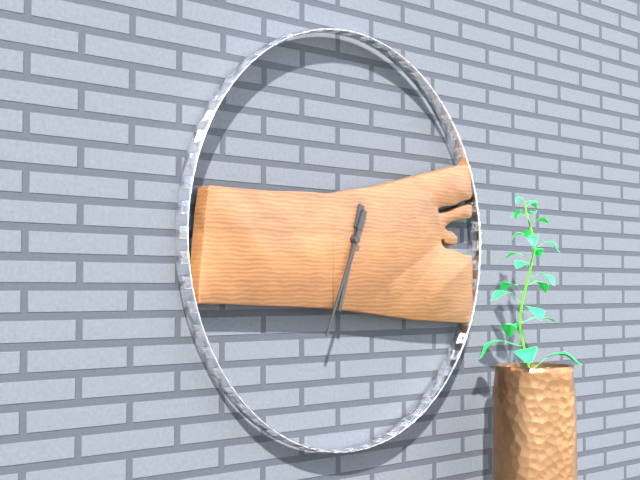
6:34
